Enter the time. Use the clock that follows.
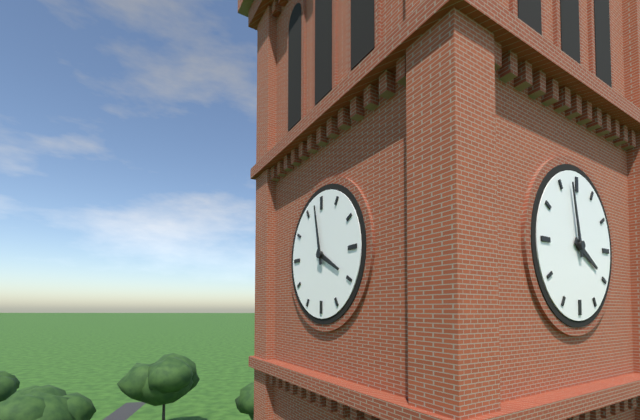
3:58
